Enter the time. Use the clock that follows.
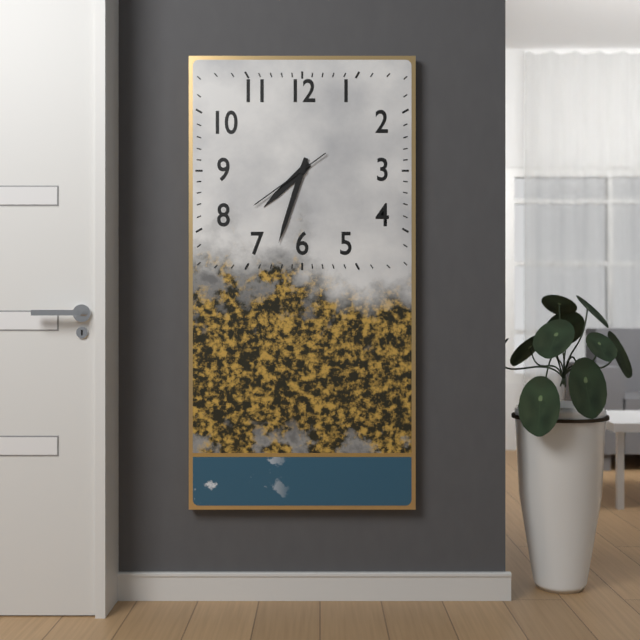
7:33:39
